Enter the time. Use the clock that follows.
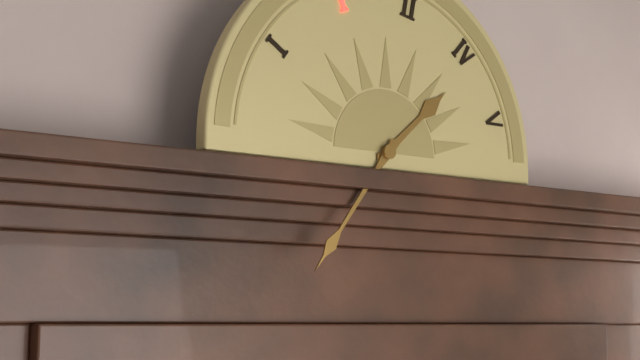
1:36
